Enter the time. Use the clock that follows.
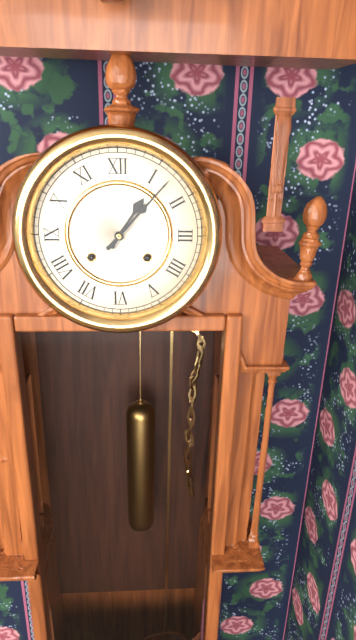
1:07
